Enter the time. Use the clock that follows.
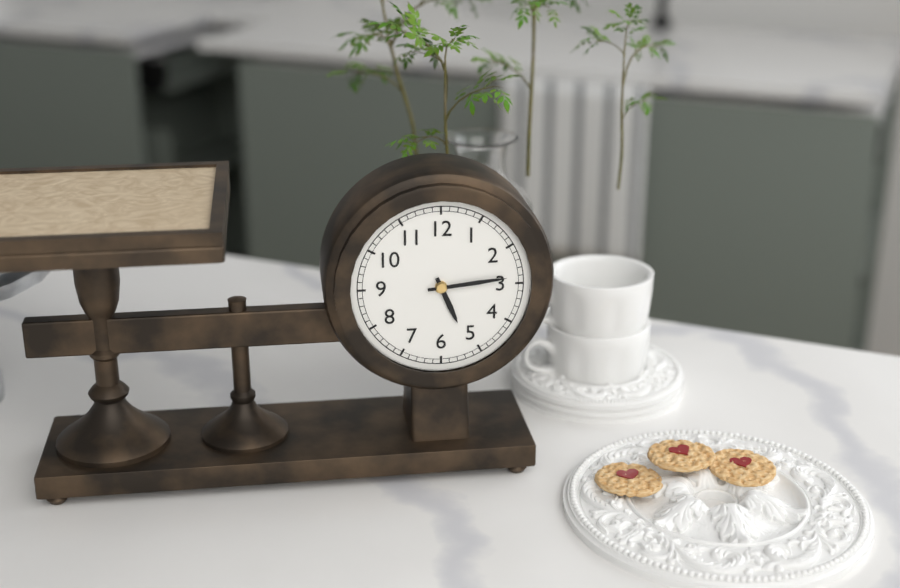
5:14
